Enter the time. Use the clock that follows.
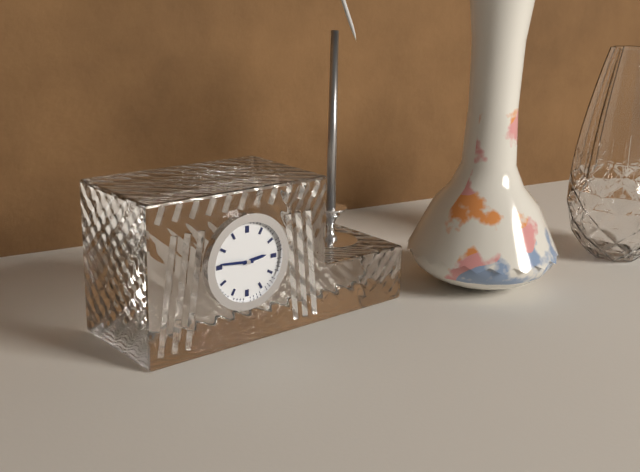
2:46
